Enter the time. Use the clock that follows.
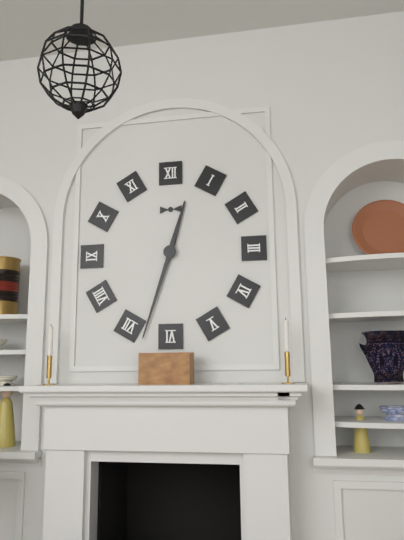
12:33
